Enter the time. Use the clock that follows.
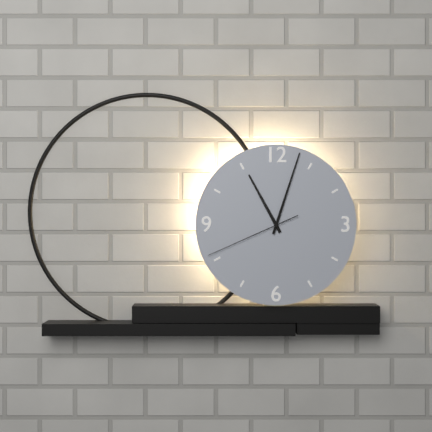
11:03:41
